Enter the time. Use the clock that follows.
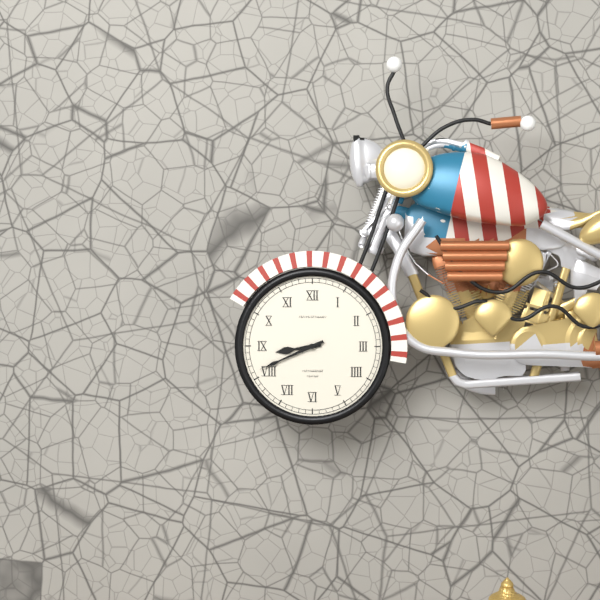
8:41
